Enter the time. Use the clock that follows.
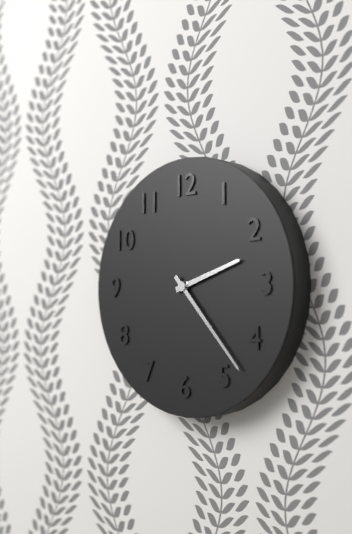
2:23
